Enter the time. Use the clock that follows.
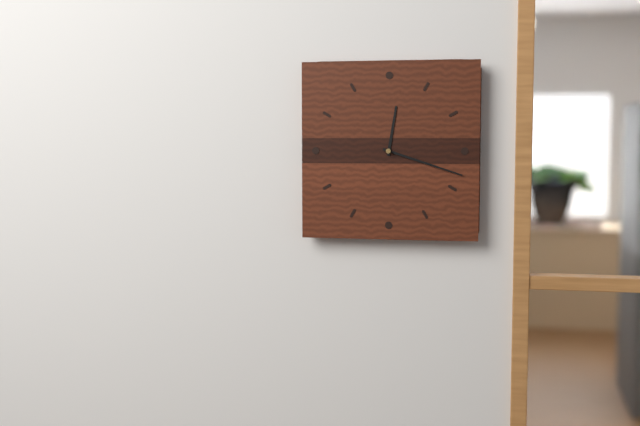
12:18
